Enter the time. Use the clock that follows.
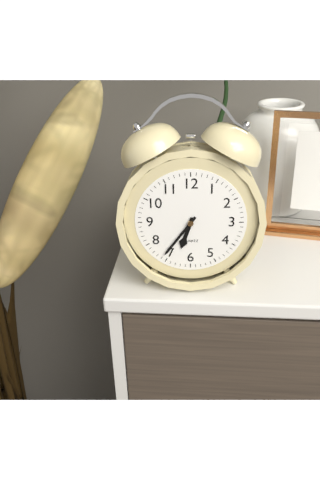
6:36
